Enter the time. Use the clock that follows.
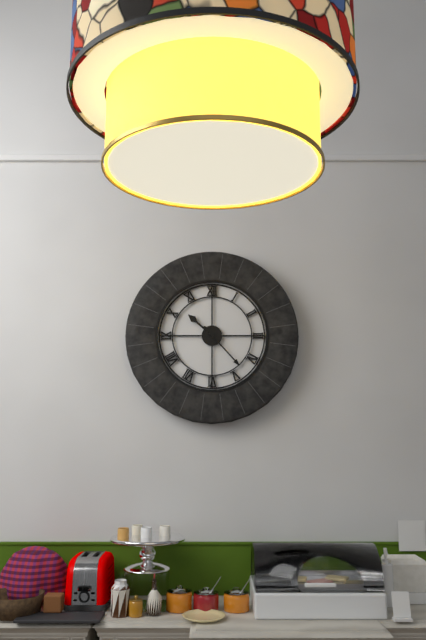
10:23
